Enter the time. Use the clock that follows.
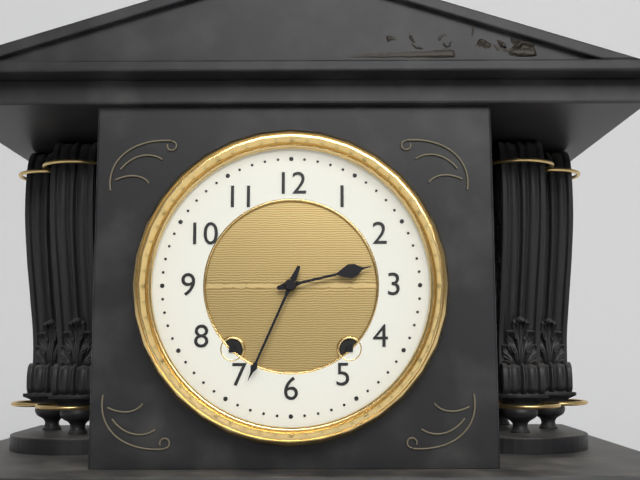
2:34
